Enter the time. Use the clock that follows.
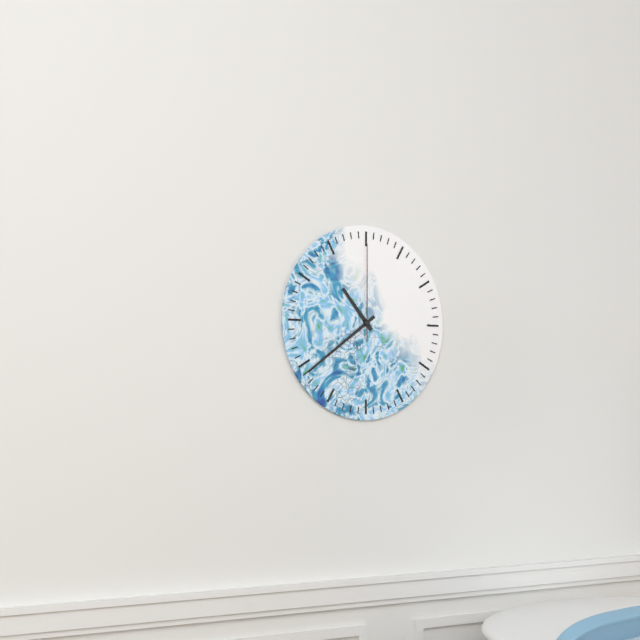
10:39:00
